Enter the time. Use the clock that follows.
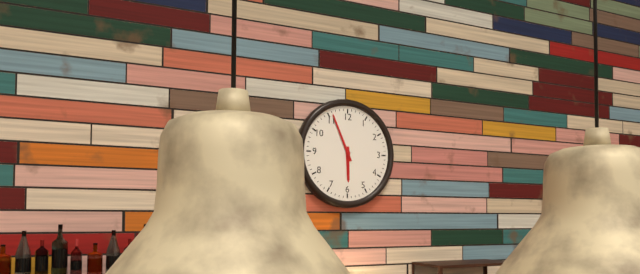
5:56
